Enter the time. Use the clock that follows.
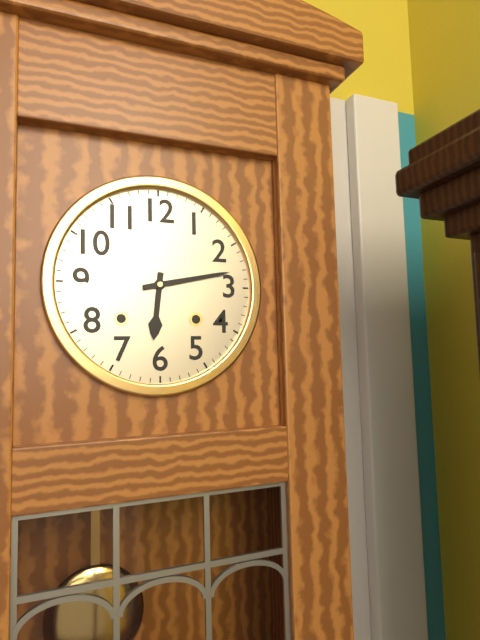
6:13
